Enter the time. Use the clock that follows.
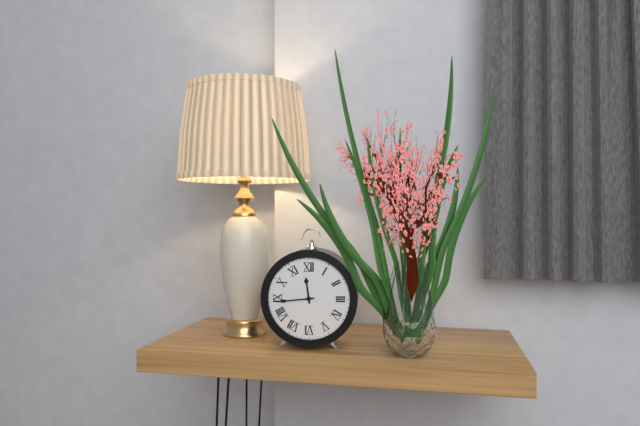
11:44
